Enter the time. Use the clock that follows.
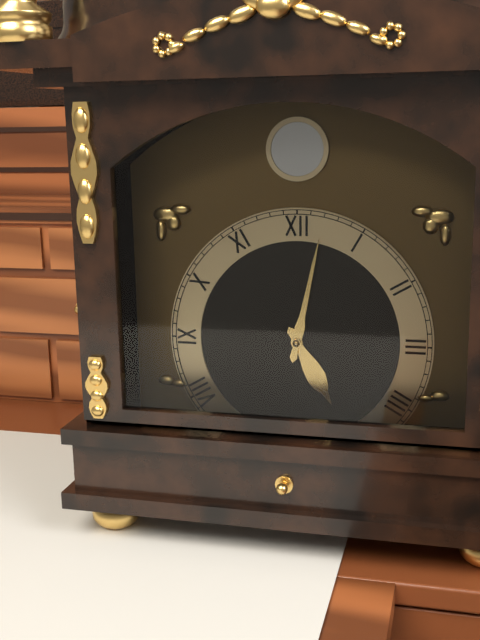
5:02
